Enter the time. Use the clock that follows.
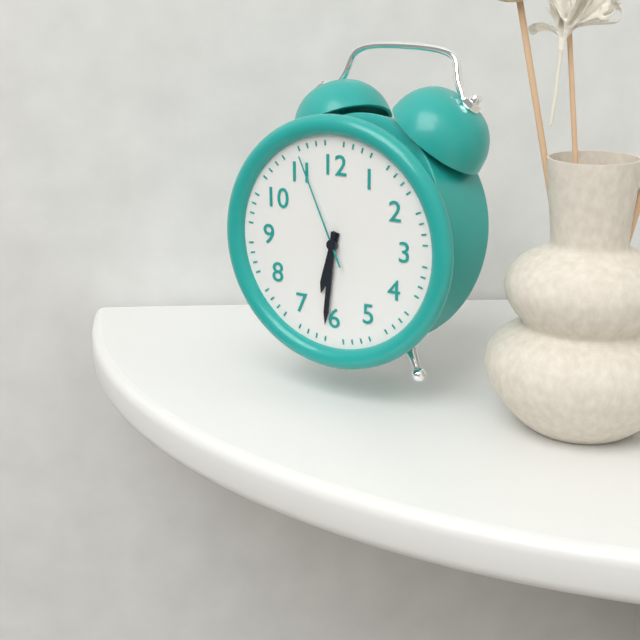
6:31:56
